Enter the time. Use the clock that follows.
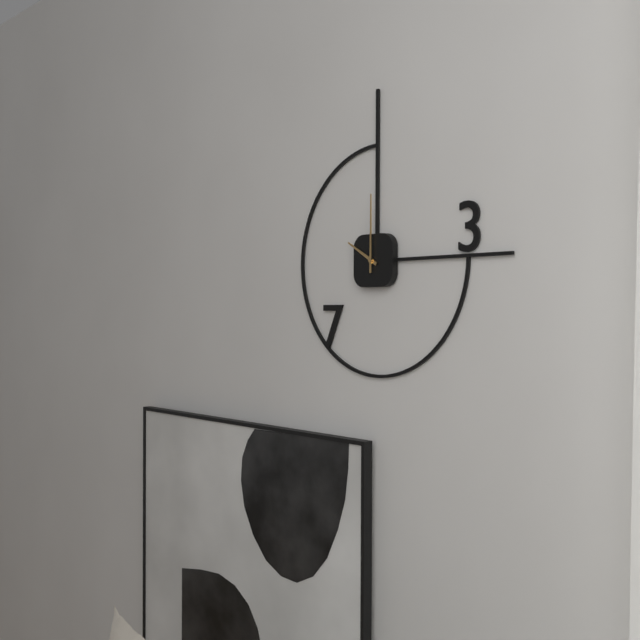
10:00
